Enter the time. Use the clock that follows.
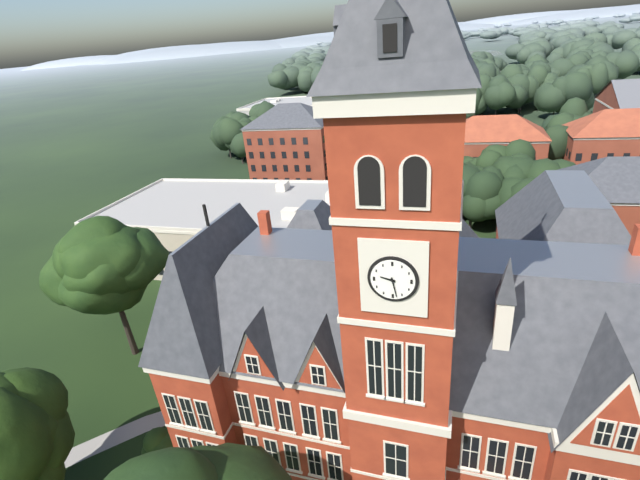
9:28
